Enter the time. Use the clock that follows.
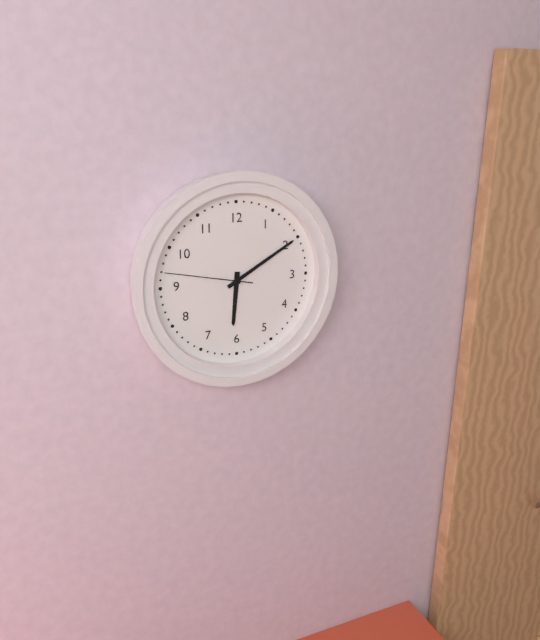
6:10:47
